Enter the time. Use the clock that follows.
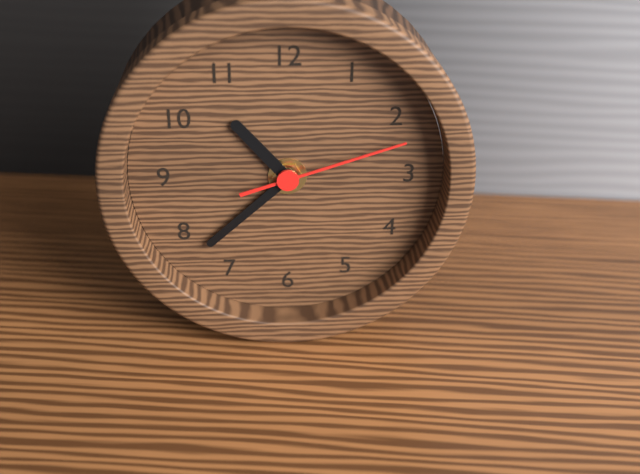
10:38:12
